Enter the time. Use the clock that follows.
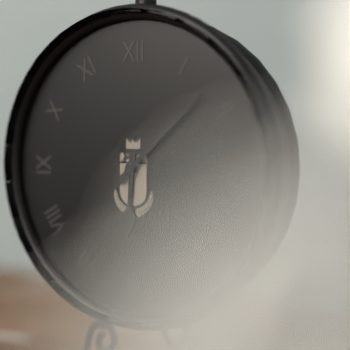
6:08
